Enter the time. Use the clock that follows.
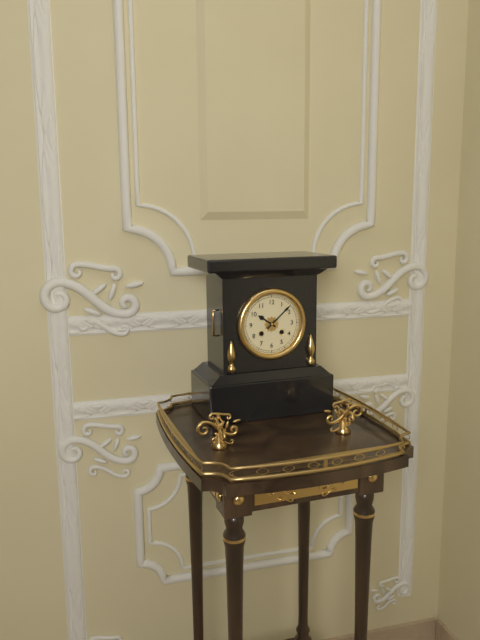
10:08
